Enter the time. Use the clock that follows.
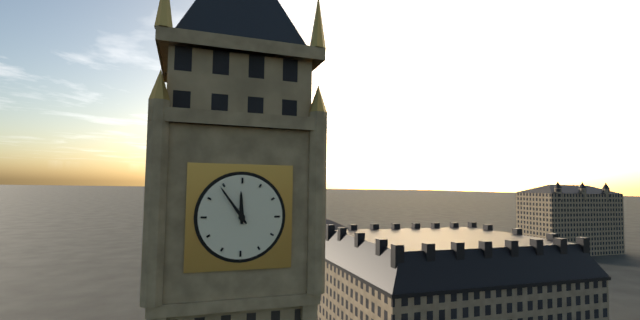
11:54
